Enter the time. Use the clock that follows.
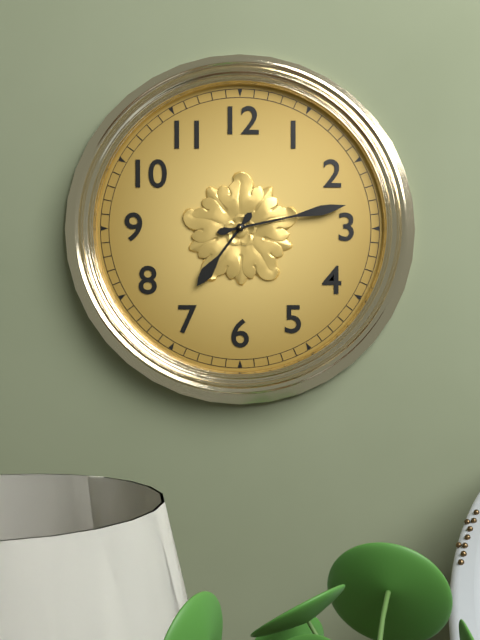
7:13
